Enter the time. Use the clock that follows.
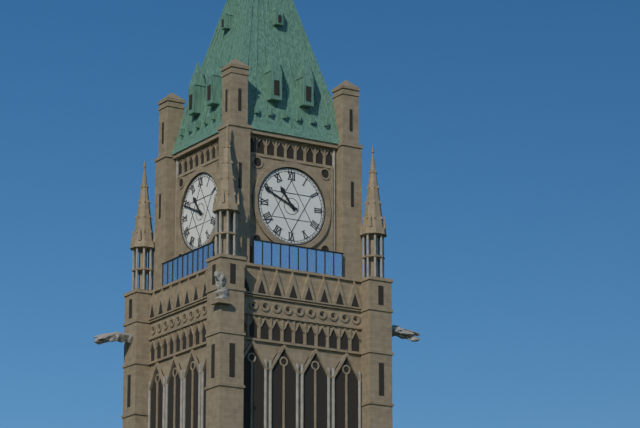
10:49
